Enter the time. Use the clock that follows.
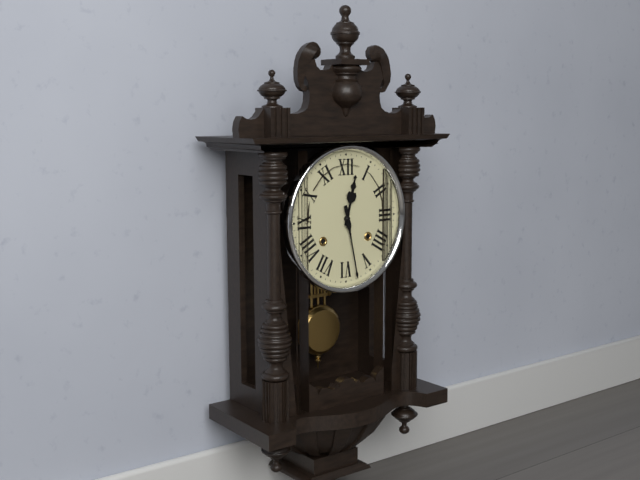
12:28
